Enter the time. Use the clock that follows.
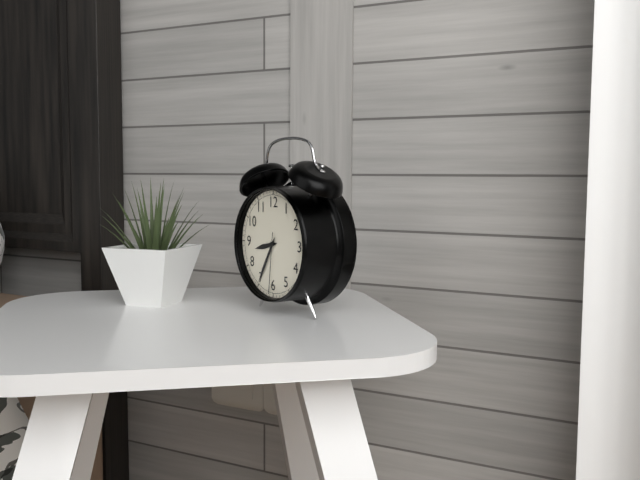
8:35:31
